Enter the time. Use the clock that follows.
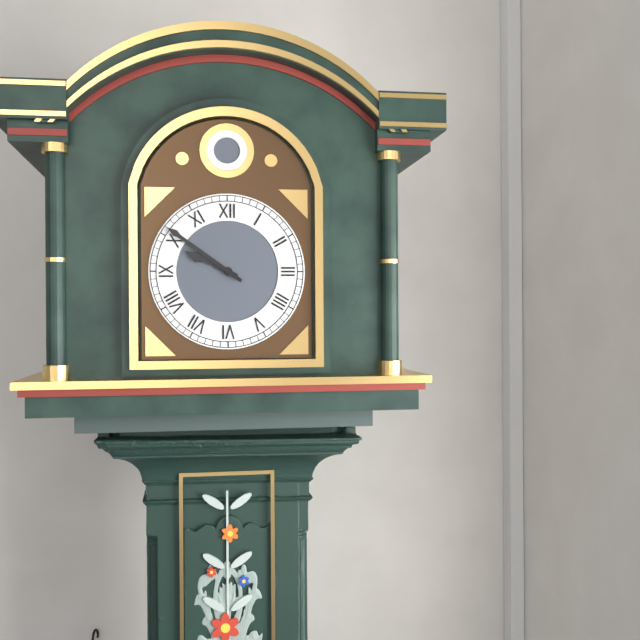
9:51
